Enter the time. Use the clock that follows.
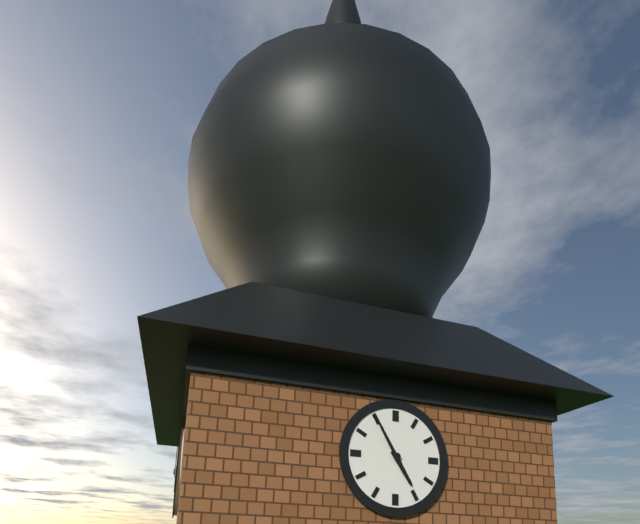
4:55
